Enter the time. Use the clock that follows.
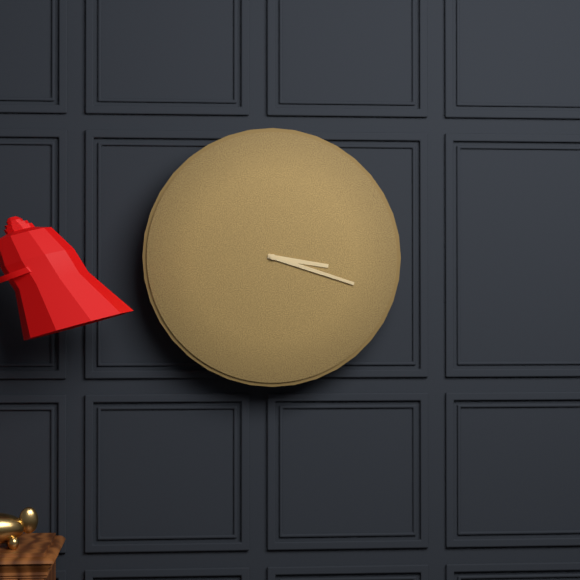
3:18
